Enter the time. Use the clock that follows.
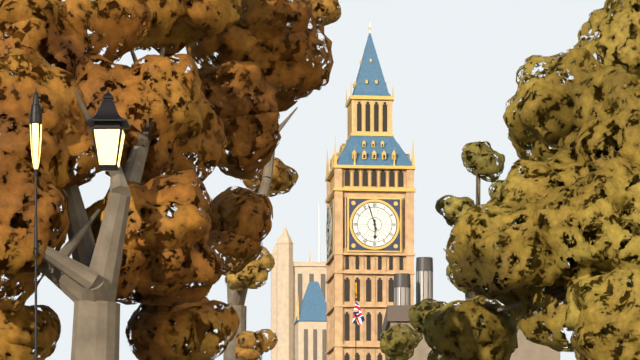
5:57
